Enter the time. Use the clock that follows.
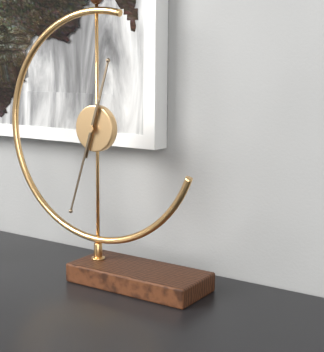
12:33
